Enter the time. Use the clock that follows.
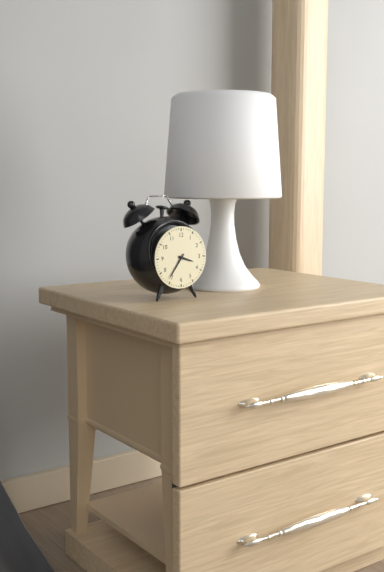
3:36
